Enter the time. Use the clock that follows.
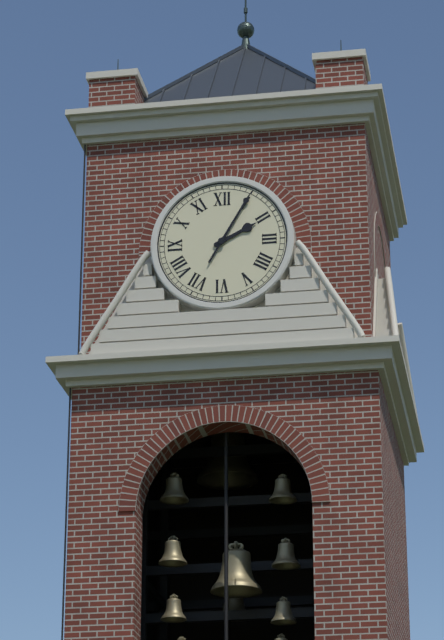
2:05
